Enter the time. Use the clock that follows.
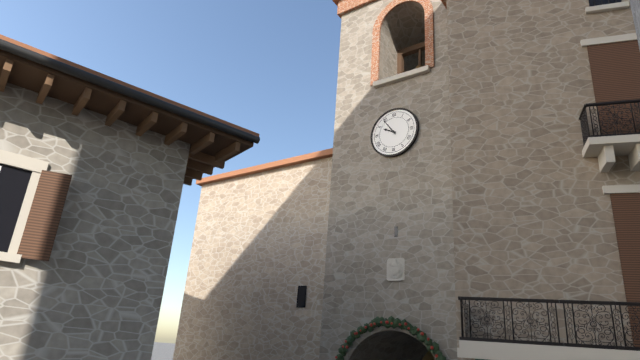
9:54
